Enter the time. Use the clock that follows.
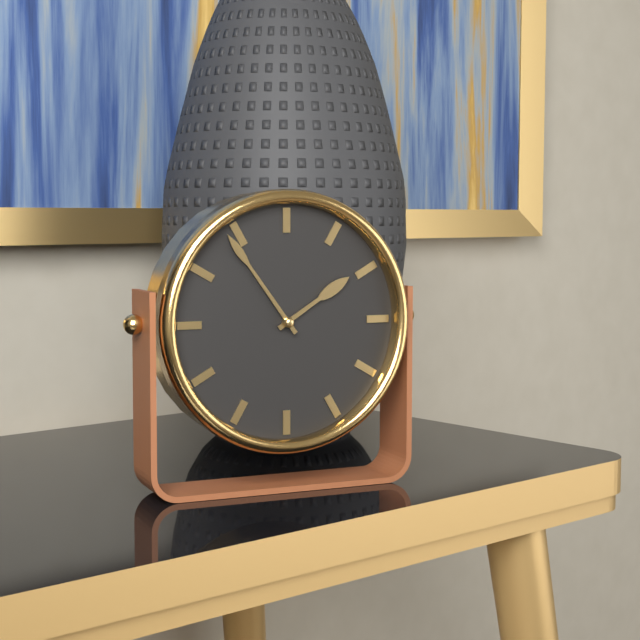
1:54
